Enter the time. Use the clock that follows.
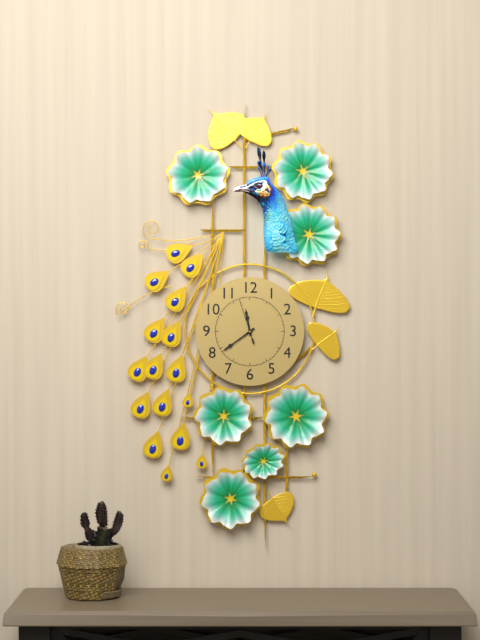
11:39
